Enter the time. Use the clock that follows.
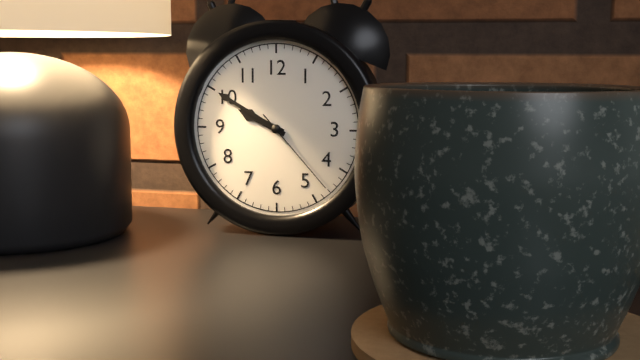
9:50:23
